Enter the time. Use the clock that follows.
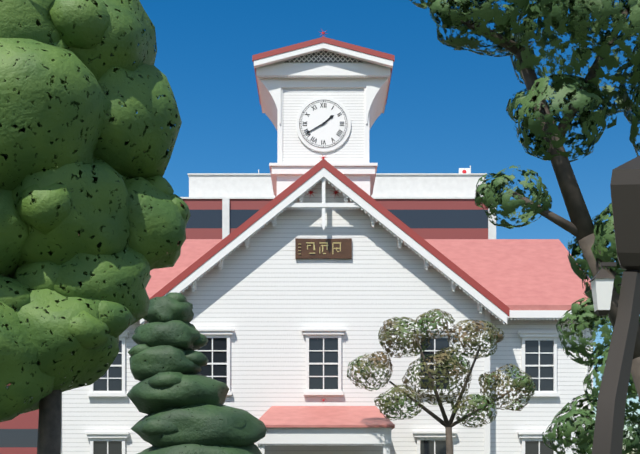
1:40
